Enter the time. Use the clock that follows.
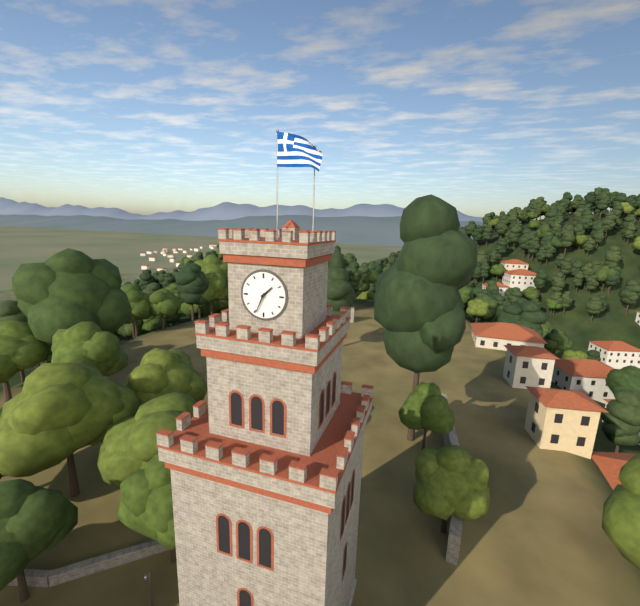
1:34
